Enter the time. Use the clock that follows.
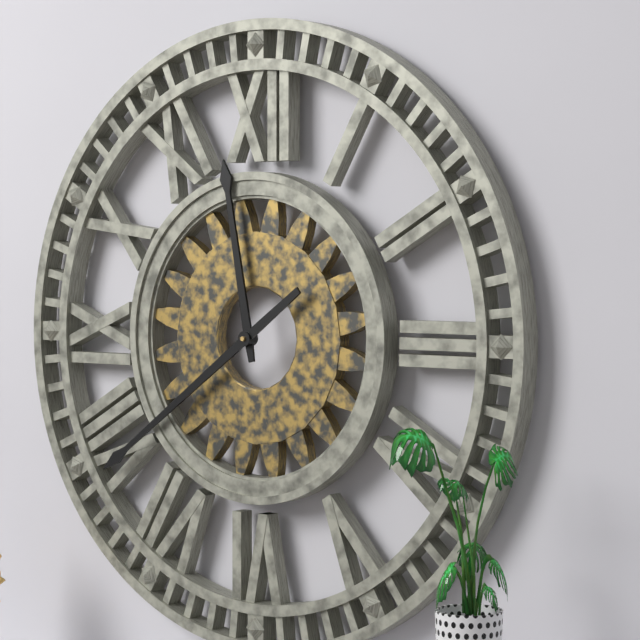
11:39
